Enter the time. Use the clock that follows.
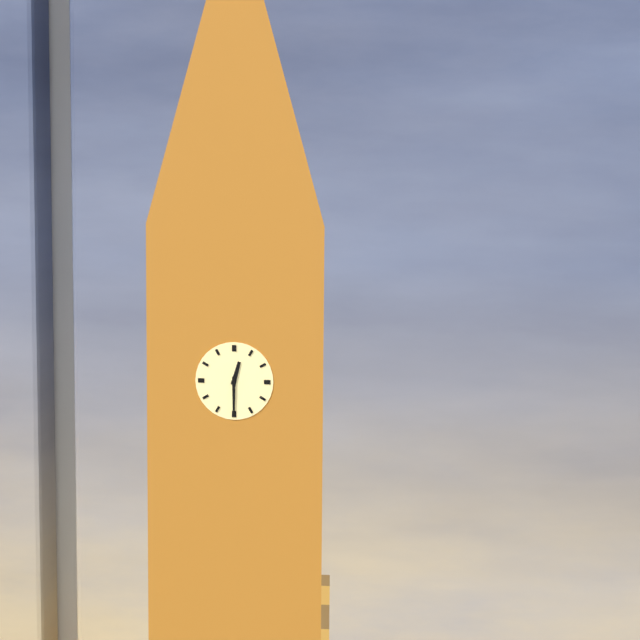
12:30
